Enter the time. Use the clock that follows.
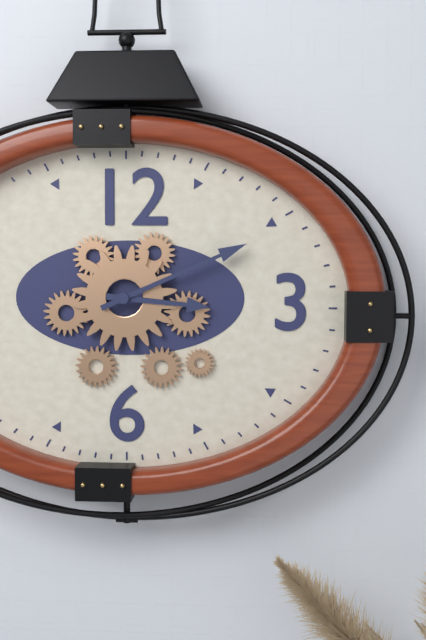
3:11
